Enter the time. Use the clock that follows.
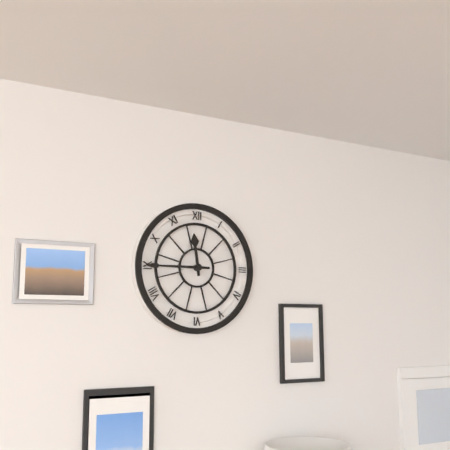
11:45
